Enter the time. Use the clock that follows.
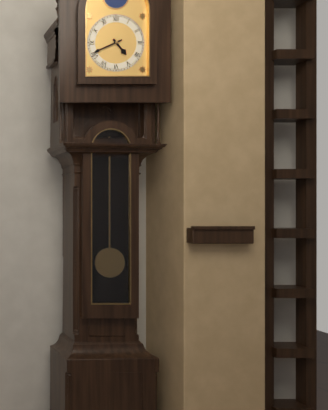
4:41
